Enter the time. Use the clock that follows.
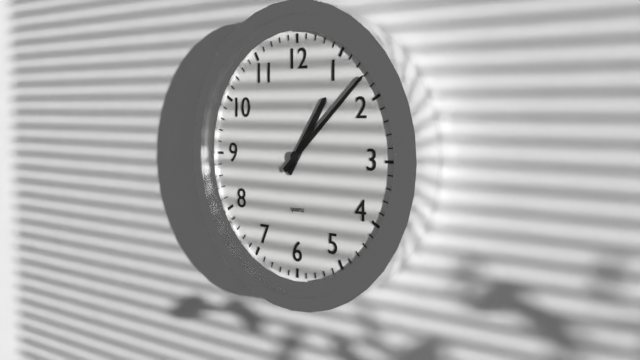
1:08
